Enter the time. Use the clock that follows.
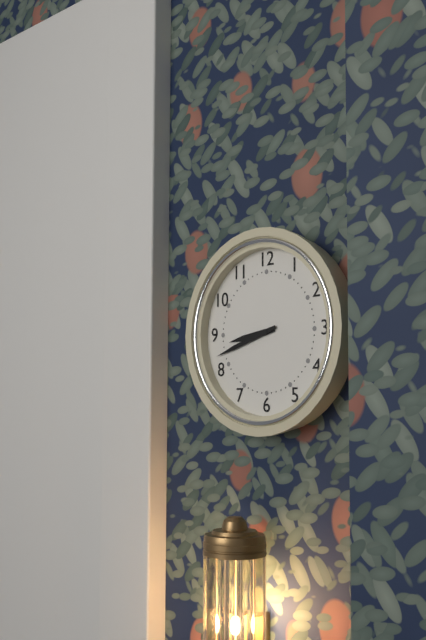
8:42
